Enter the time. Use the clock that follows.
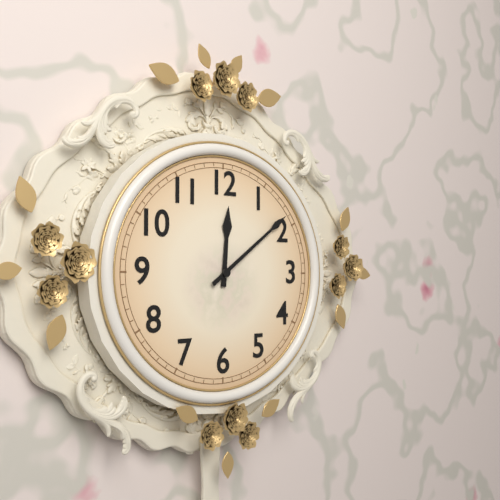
12:09
